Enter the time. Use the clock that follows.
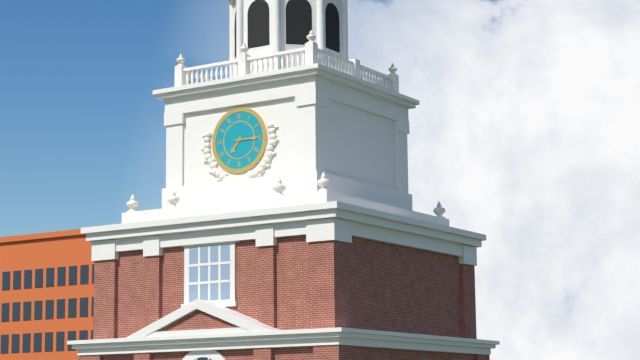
7:15
